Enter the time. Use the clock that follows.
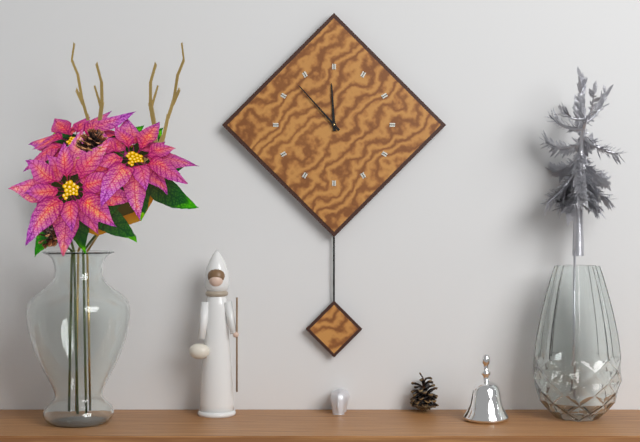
11:53
